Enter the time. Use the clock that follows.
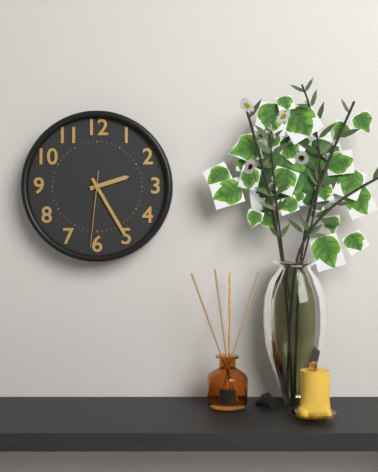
2:25:31
